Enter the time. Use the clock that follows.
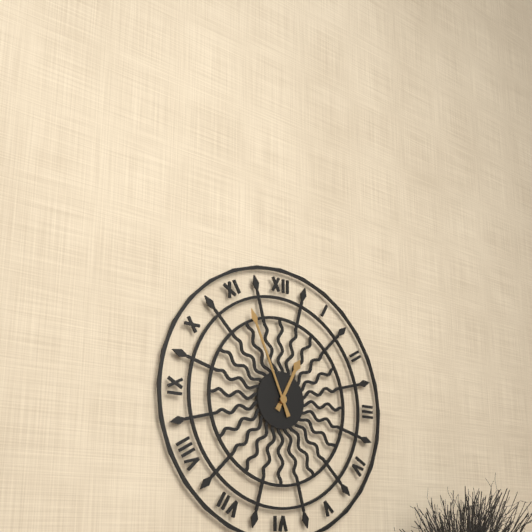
12:56
